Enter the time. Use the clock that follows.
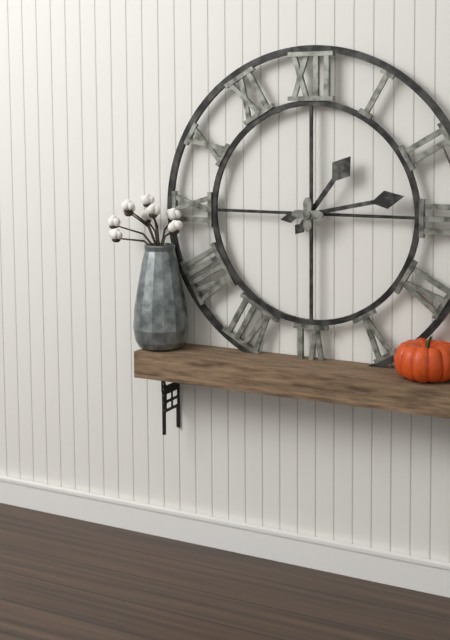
1:13
